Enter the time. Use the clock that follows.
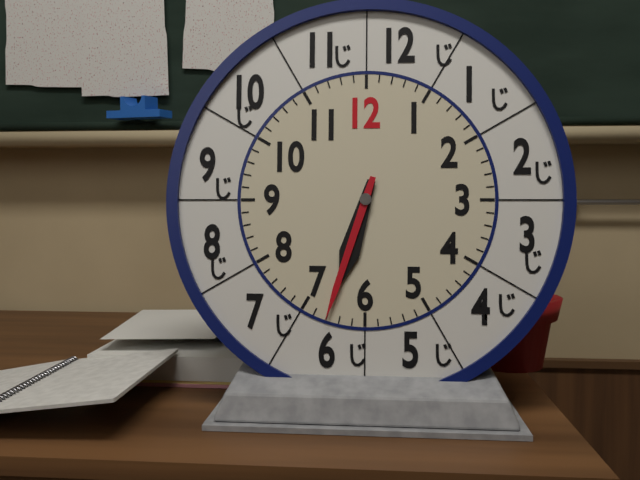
6:33
